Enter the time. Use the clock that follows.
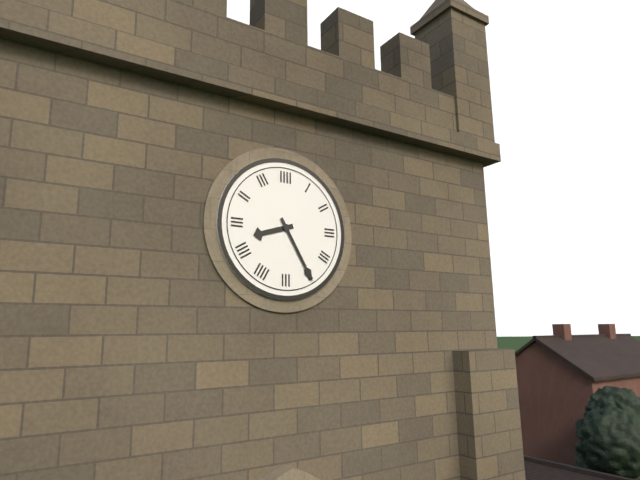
8:25
